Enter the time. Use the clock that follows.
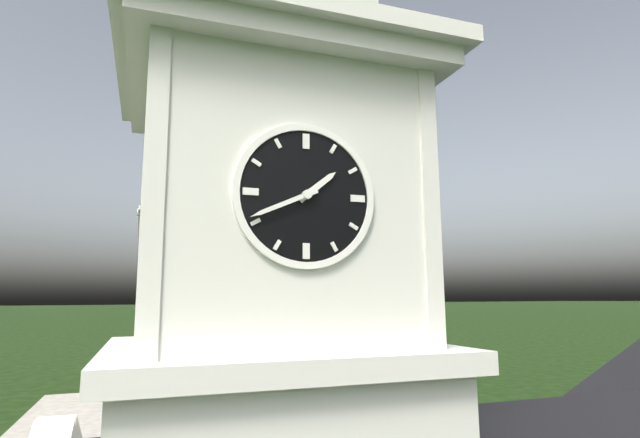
1:41
